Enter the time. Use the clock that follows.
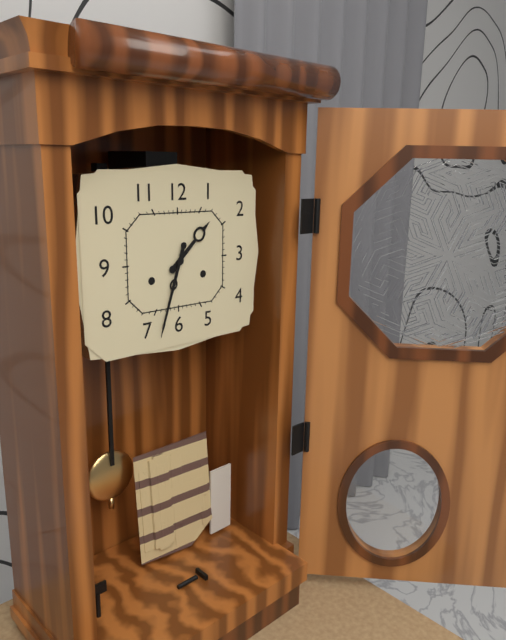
1:33
